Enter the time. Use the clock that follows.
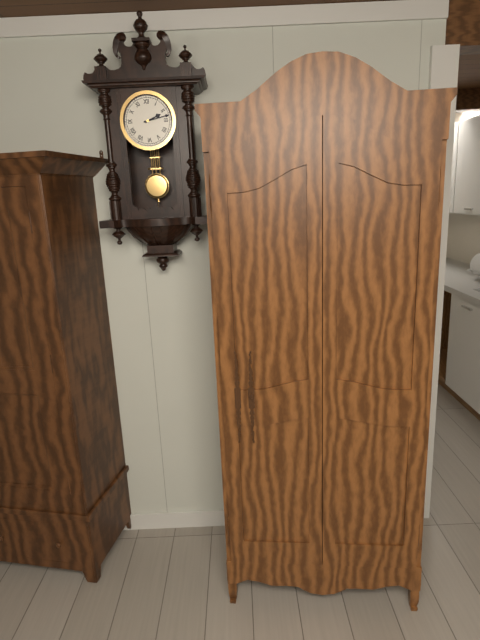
2:13
